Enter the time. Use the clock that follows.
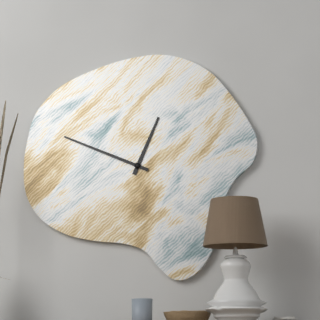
12:49
